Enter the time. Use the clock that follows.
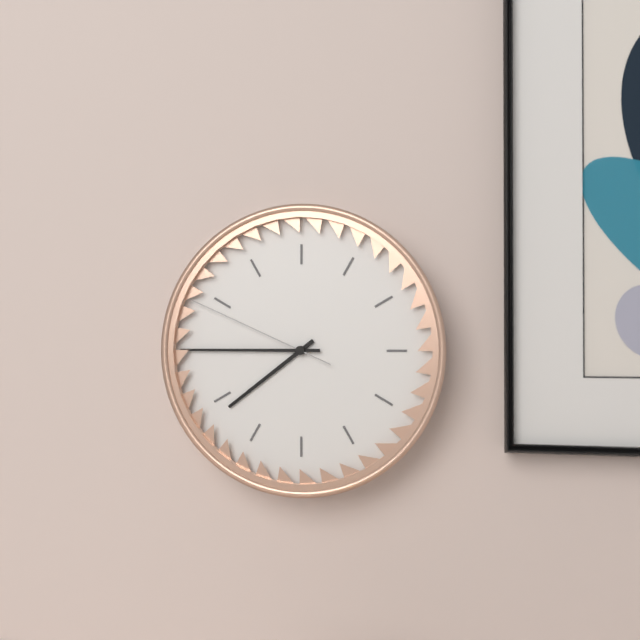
7:45:49
